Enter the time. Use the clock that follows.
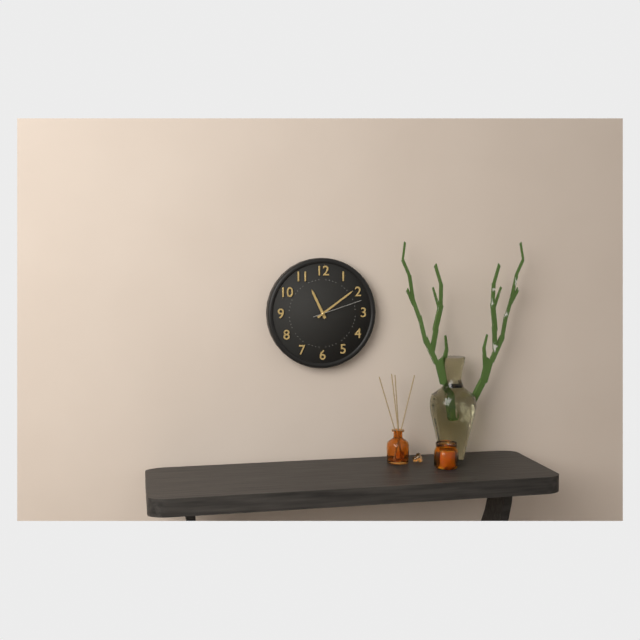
11:09:12
